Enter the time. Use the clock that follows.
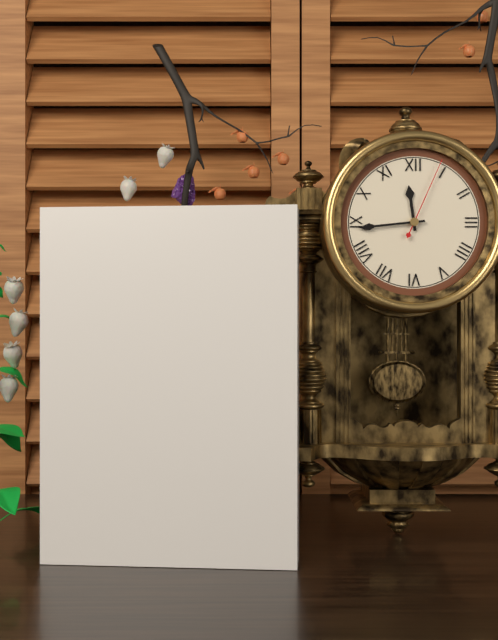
11:44:04
